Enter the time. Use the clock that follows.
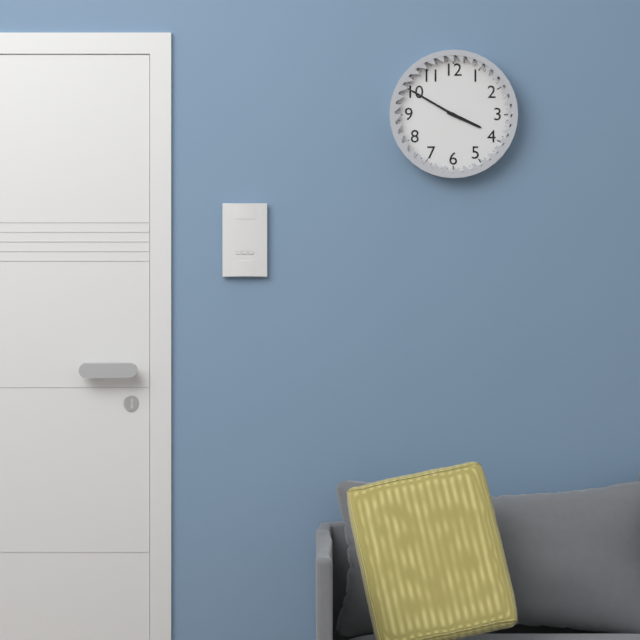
3:50
